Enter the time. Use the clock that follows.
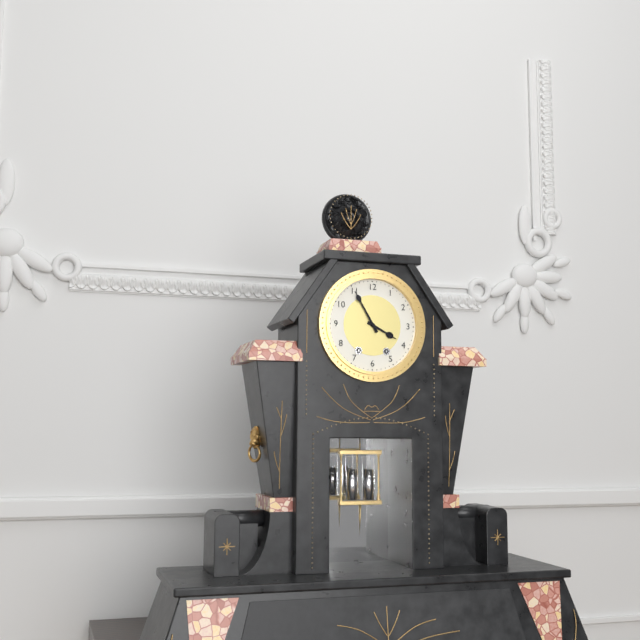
3:55
